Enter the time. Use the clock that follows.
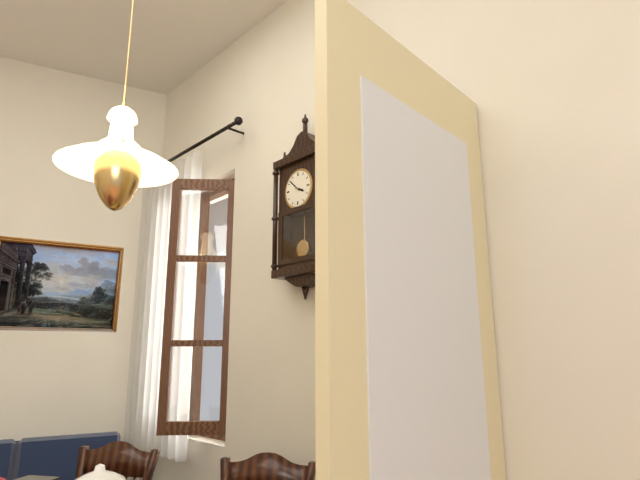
3:52
